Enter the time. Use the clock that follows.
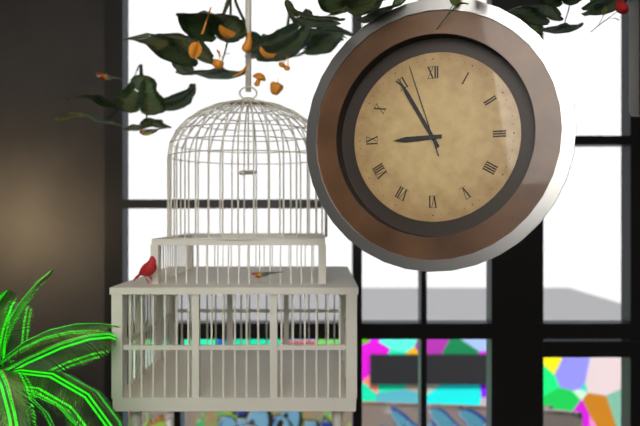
8:55:57
